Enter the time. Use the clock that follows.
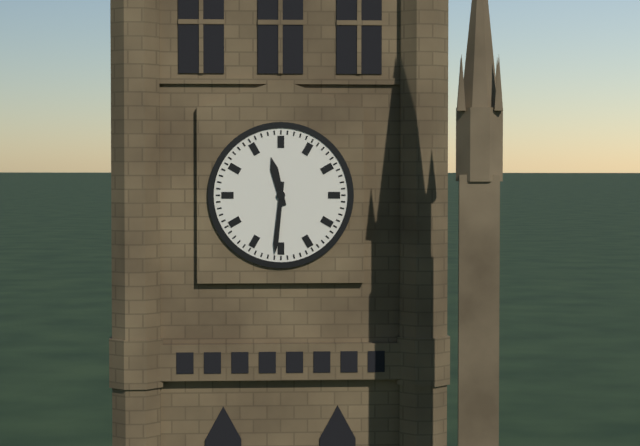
11:31
